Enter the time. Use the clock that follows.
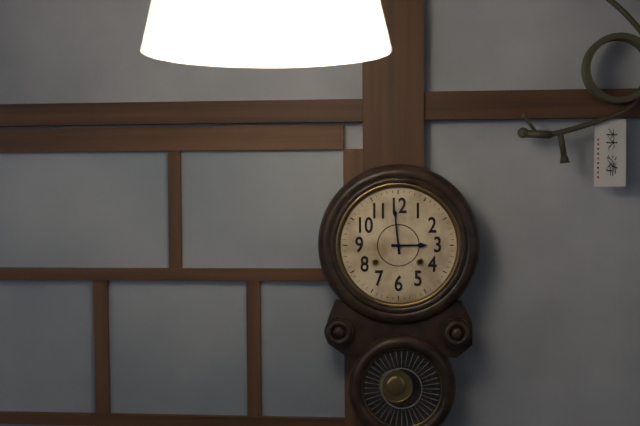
2:59
